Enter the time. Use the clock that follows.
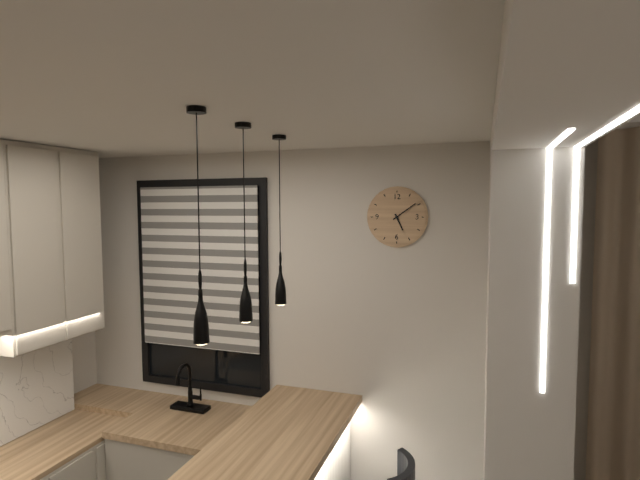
5:09
